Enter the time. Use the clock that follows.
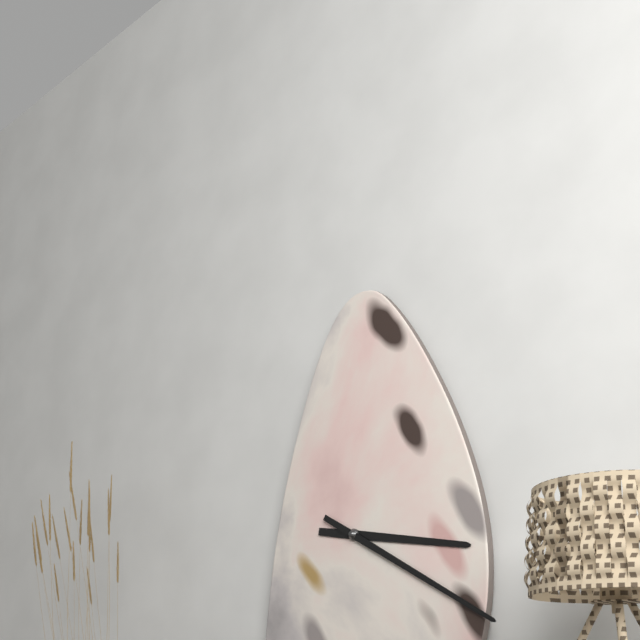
3:20
